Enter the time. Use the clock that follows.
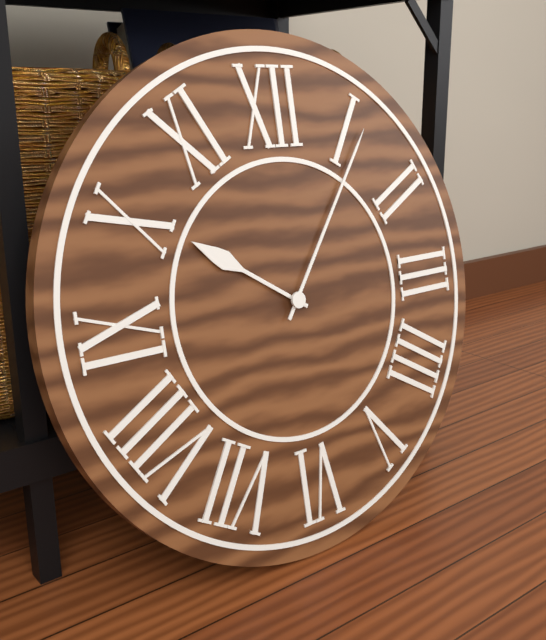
10:06
